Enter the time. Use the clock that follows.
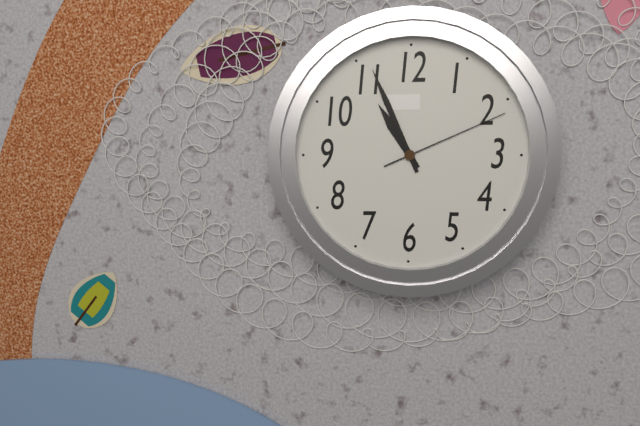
10:56:11
